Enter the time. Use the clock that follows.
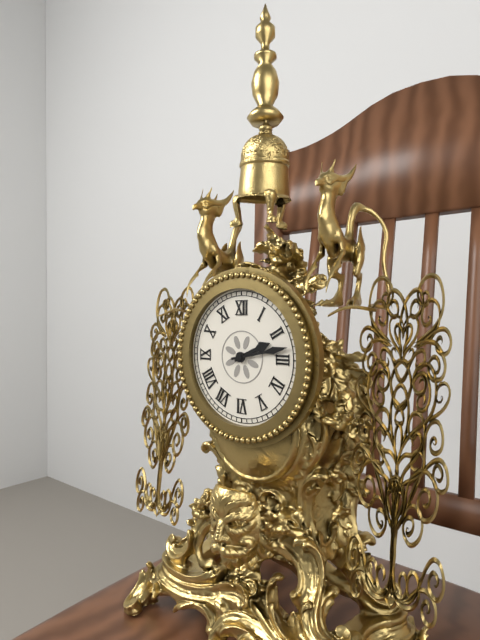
2:13
